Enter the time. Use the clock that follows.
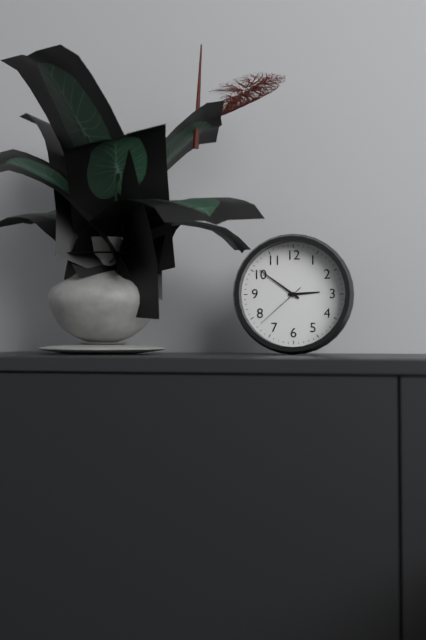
2:51:38
